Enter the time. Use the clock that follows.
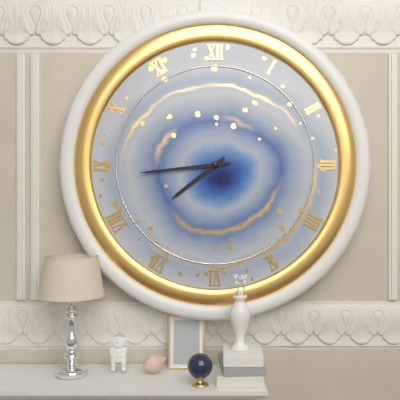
7:44
